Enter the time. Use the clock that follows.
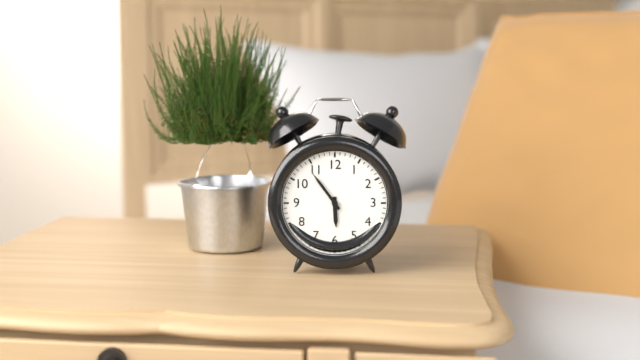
5:54
